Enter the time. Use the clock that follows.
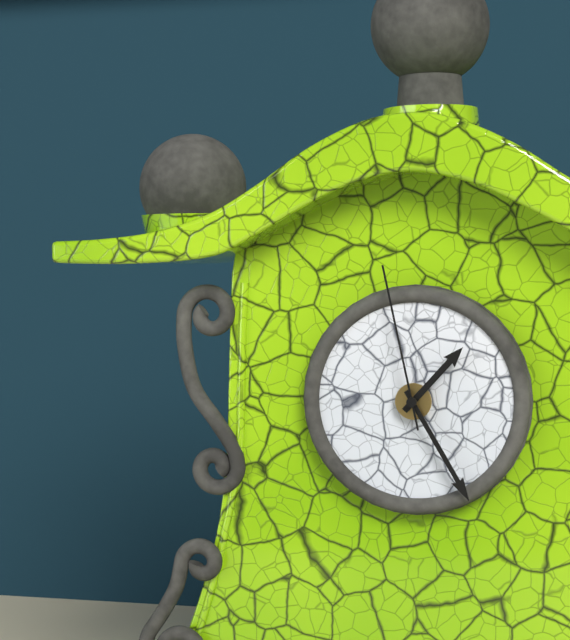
1:25:58
